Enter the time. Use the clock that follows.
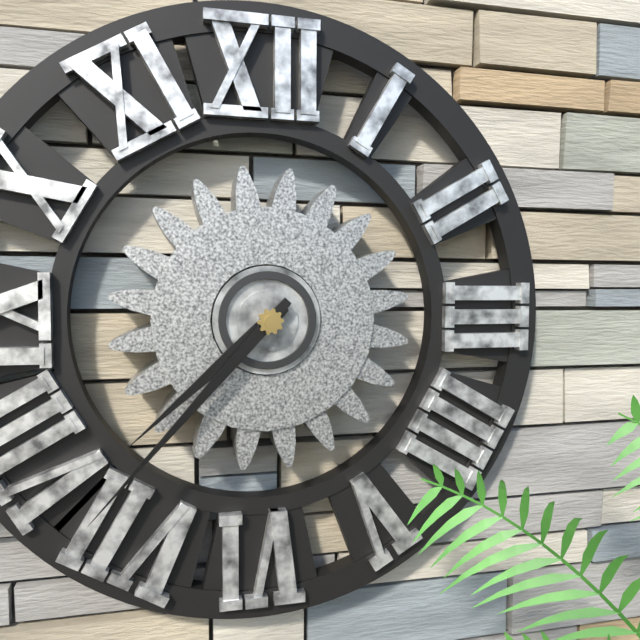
7:37
